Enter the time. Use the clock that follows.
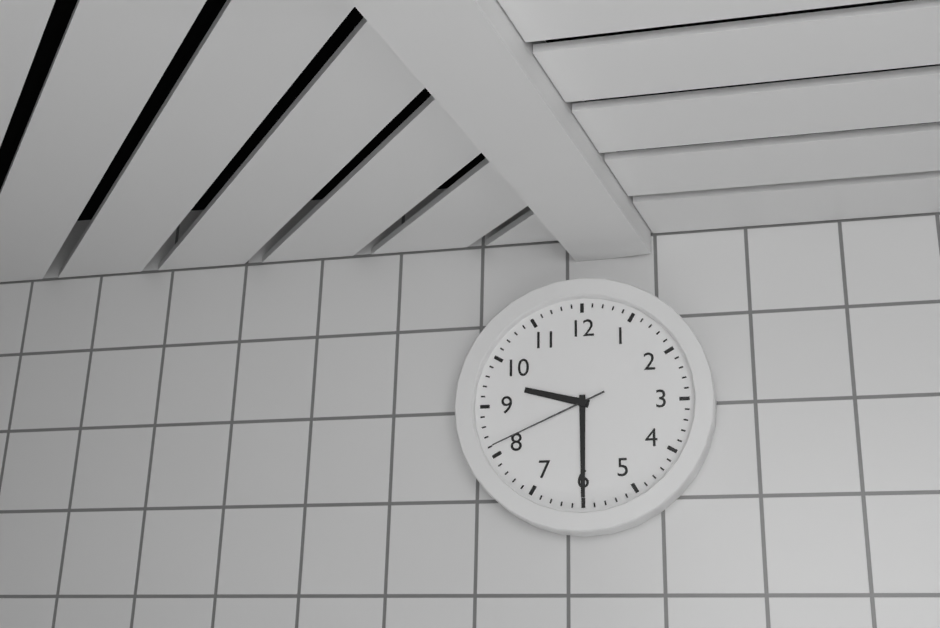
9:30:41
